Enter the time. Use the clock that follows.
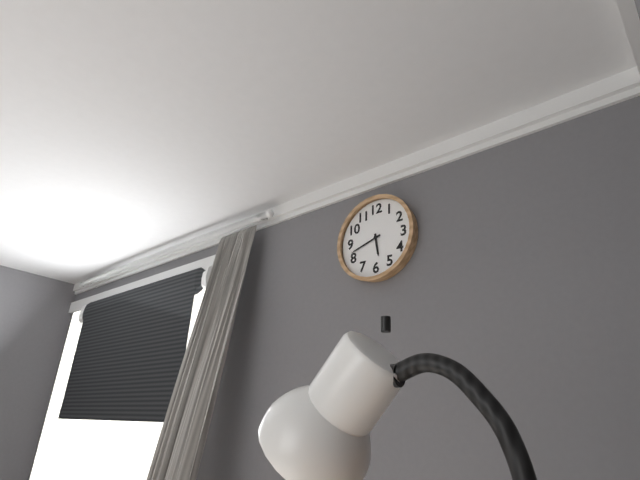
5:42
